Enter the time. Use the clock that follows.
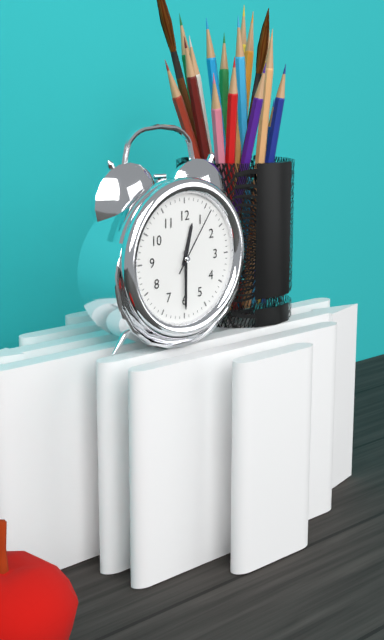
12:30:06
